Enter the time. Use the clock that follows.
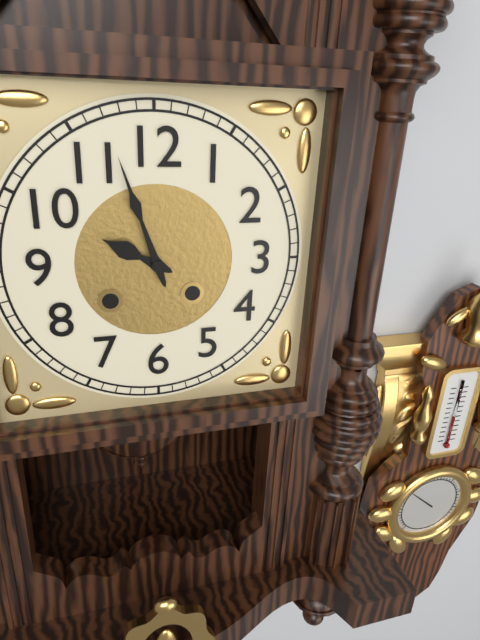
9:57
